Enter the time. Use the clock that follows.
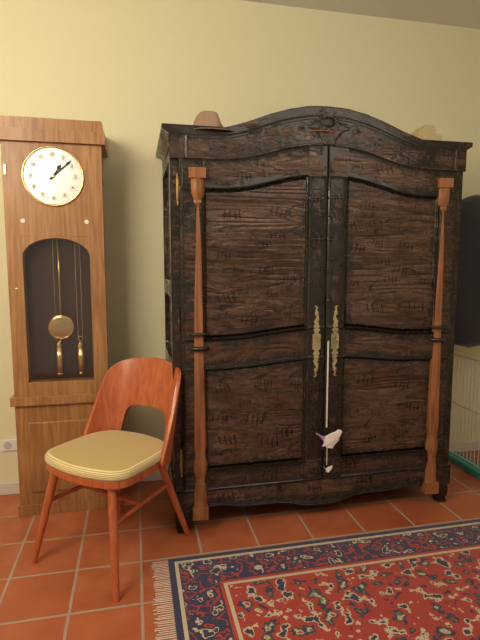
1:08
